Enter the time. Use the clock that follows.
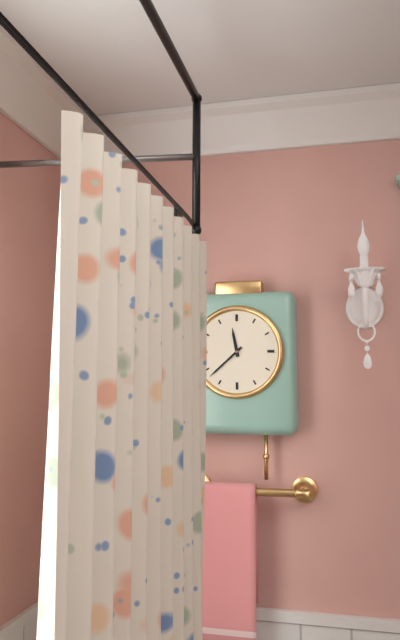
11:38
